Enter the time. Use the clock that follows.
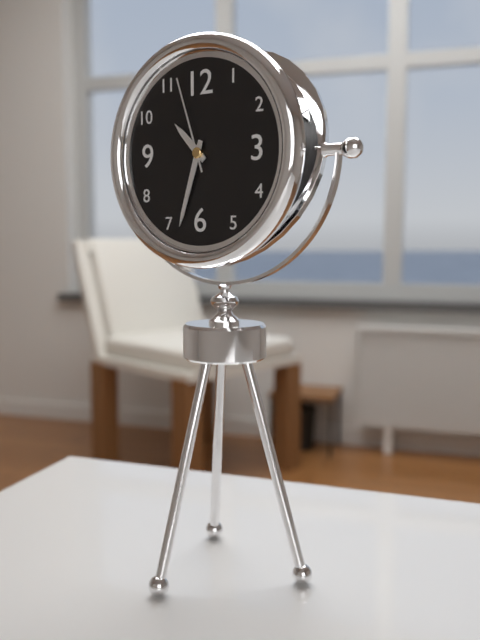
10:33:57
